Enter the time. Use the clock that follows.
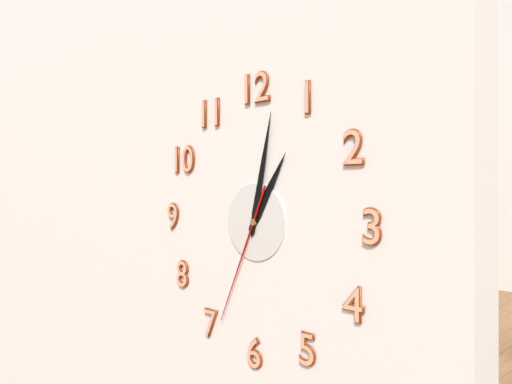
1:02:34
